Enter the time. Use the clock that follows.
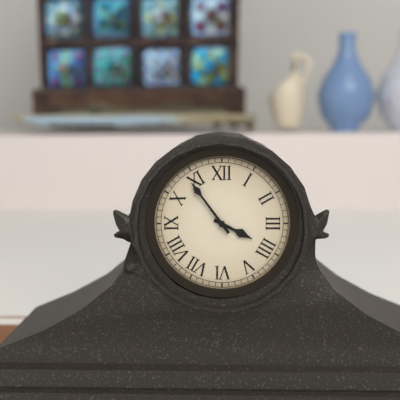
3:54
